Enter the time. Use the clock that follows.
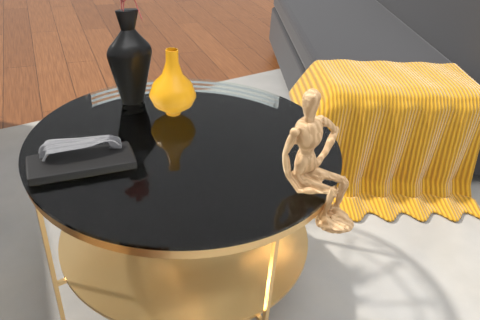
3:36
